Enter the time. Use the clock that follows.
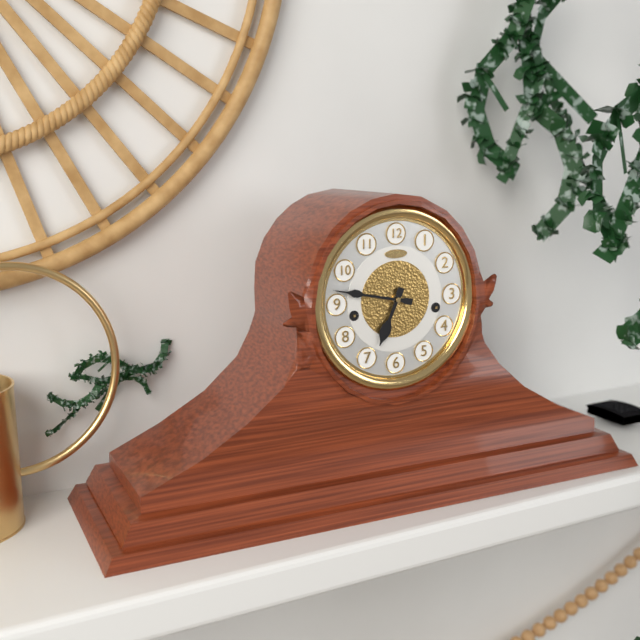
6:47
